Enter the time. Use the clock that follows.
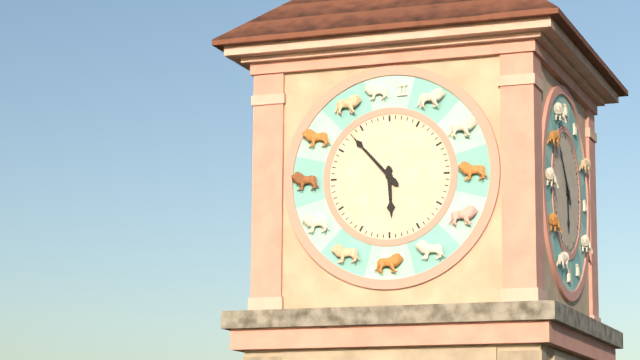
5:53
